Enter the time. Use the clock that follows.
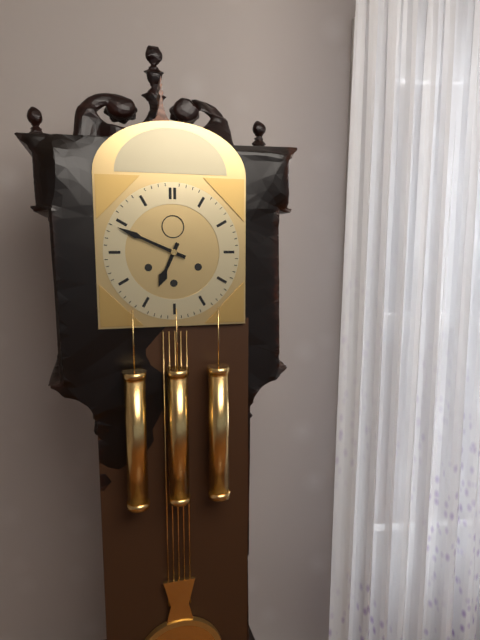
6:49
